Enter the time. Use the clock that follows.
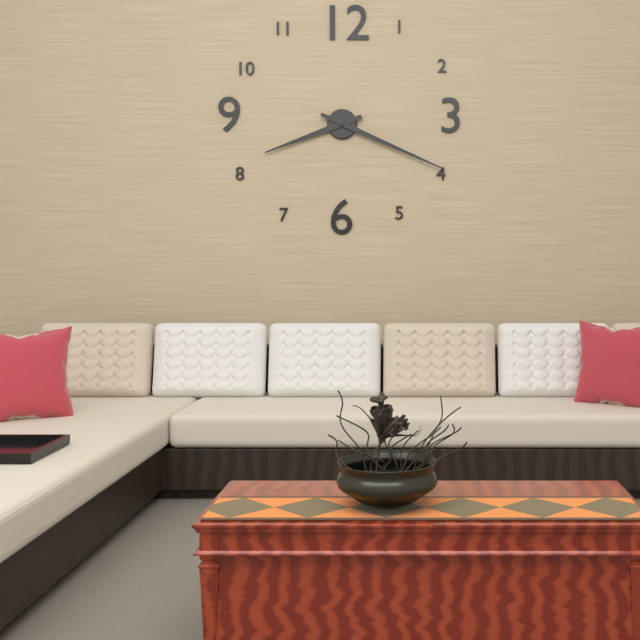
8:19
